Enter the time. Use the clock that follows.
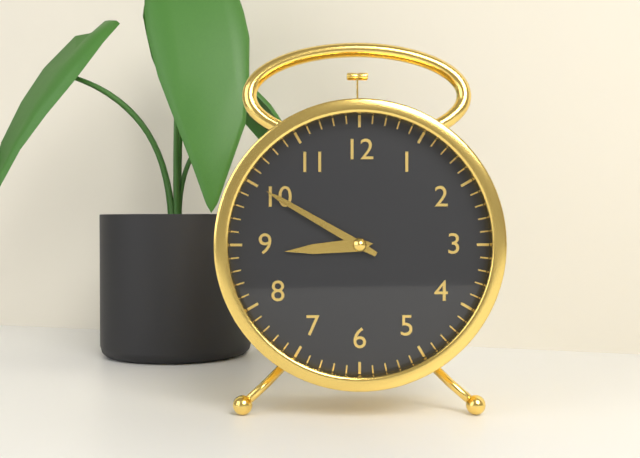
8:50
